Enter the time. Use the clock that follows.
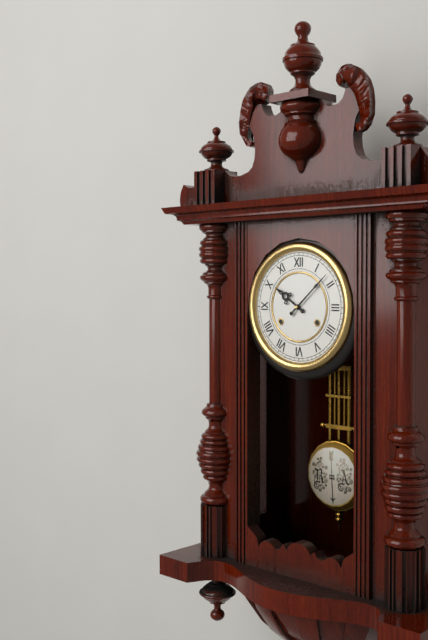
10:08
